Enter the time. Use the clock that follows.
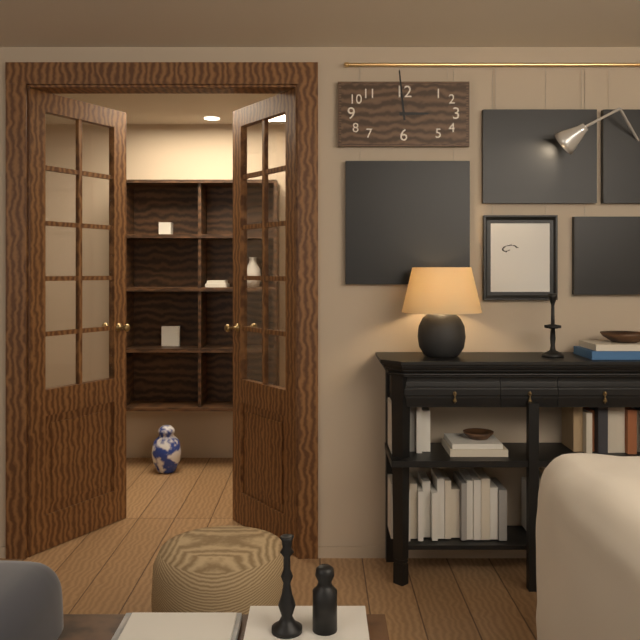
2:59
